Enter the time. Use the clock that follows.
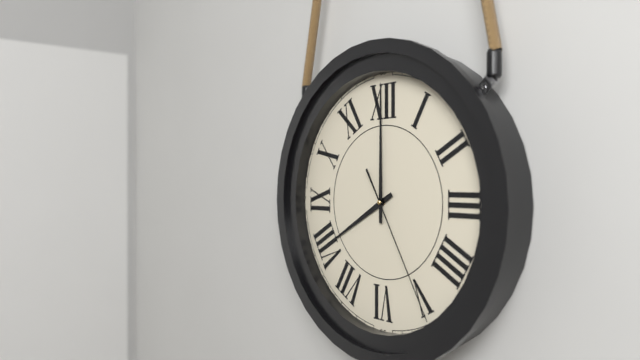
8:00:25
